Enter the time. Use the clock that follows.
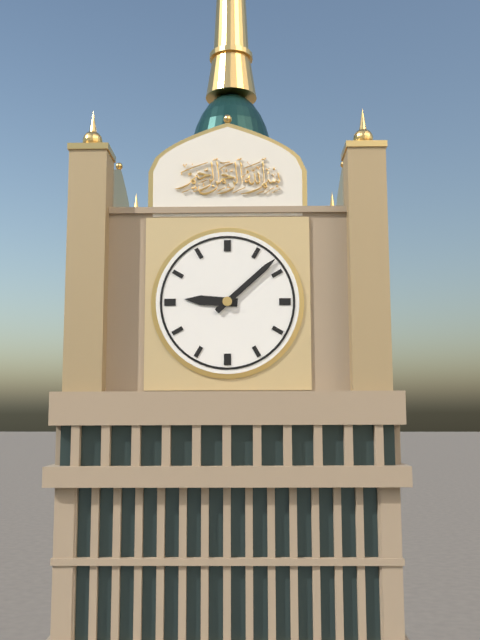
9:08
